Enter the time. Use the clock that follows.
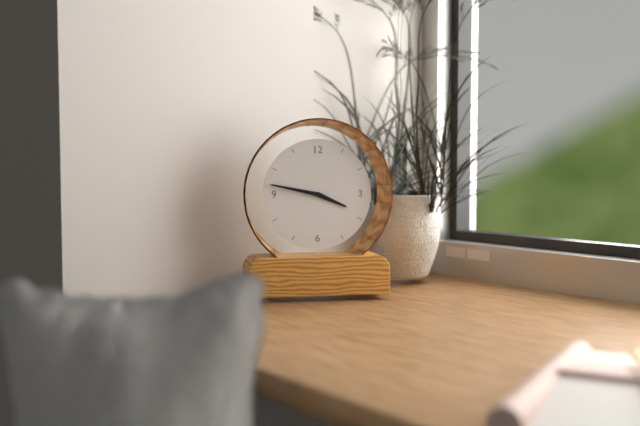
3:47
